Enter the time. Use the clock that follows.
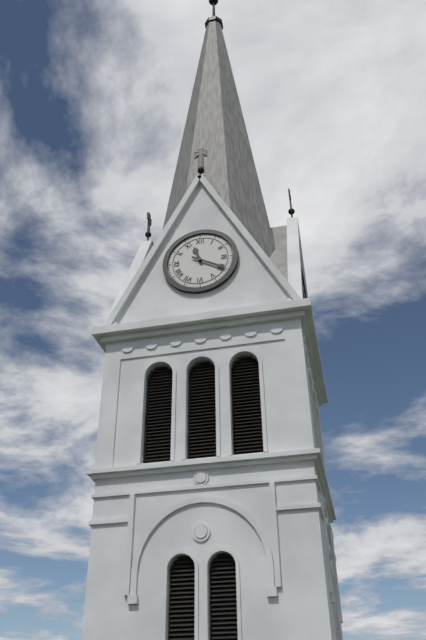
11:20
